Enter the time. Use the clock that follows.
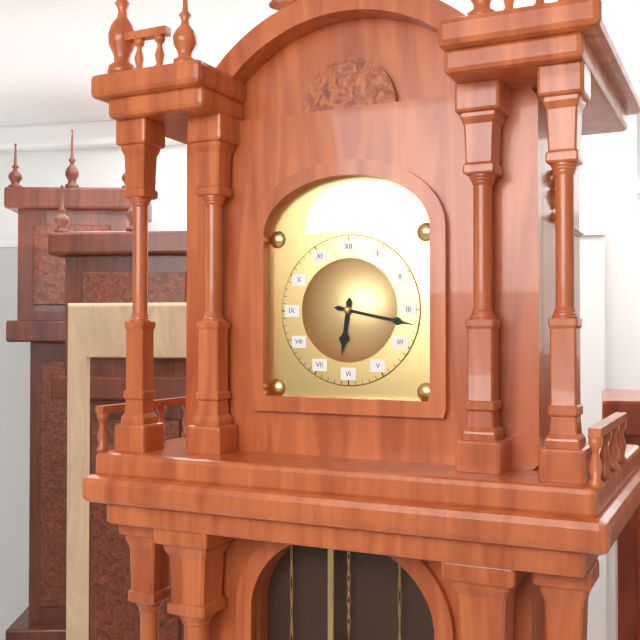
6:17
